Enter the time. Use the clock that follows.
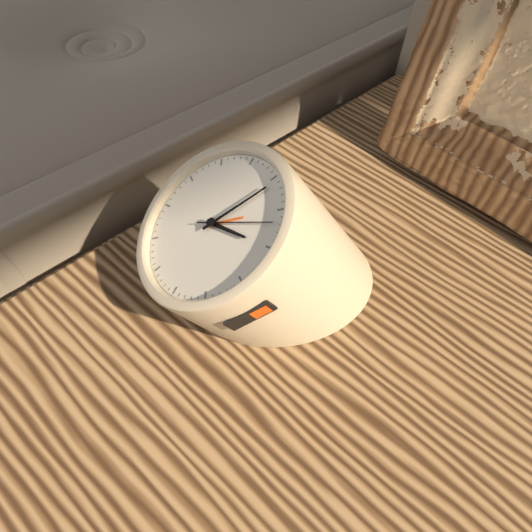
2:01:07
